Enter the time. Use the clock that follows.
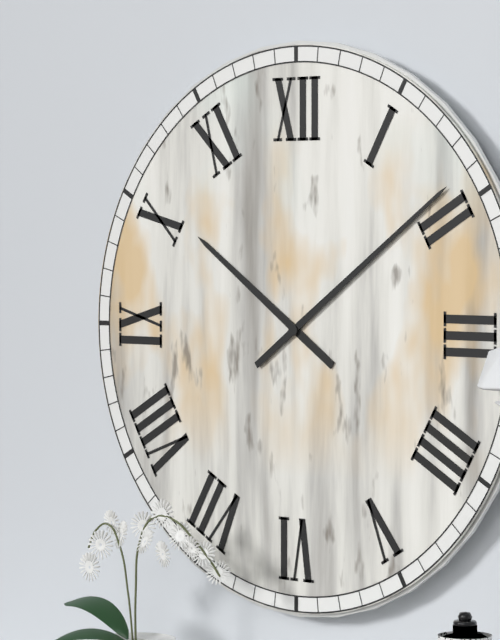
10:09
